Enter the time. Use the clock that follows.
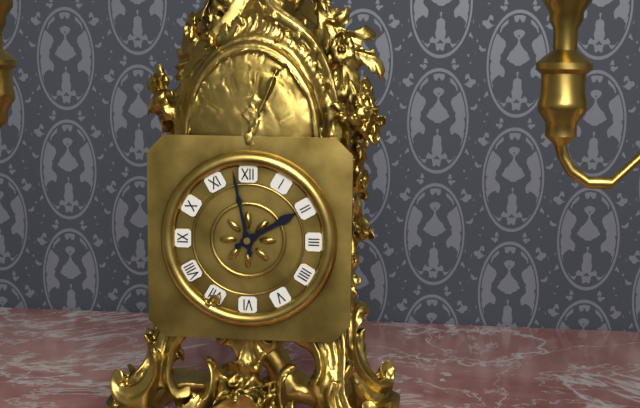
1:58
